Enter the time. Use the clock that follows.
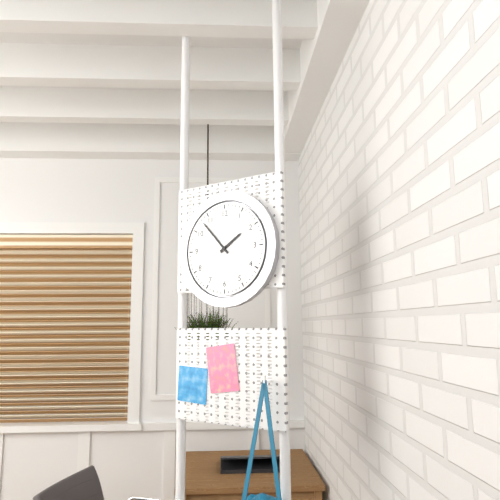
1:53
